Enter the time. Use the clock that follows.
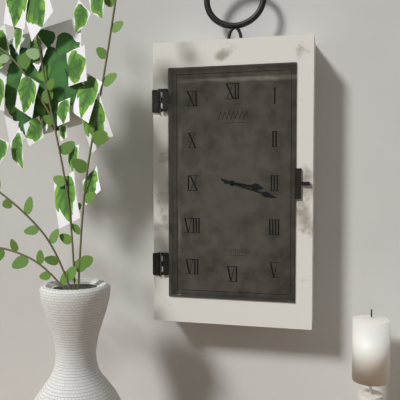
3:18
